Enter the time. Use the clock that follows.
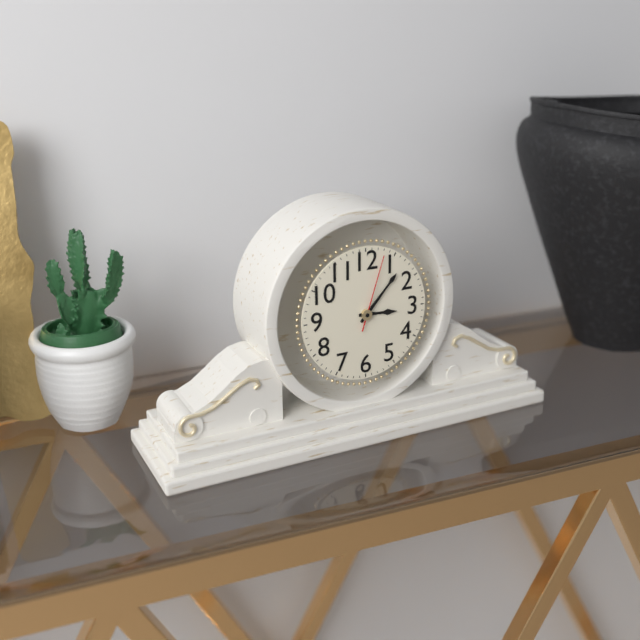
3:07:03
